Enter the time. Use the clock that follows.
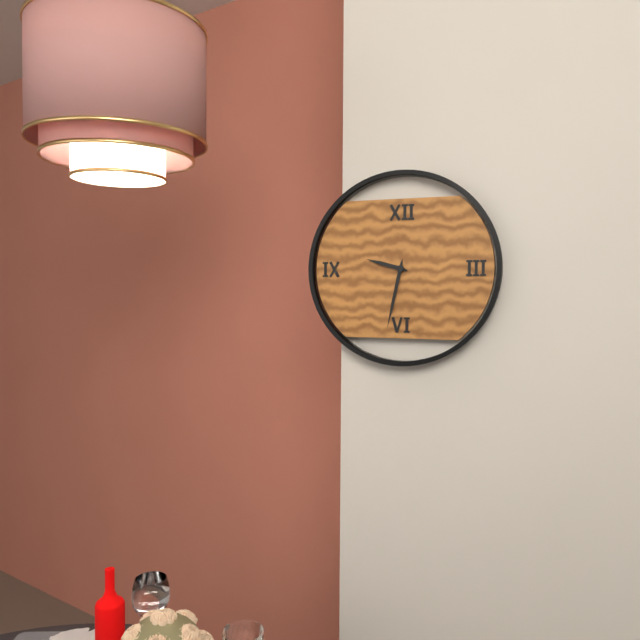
9:32
